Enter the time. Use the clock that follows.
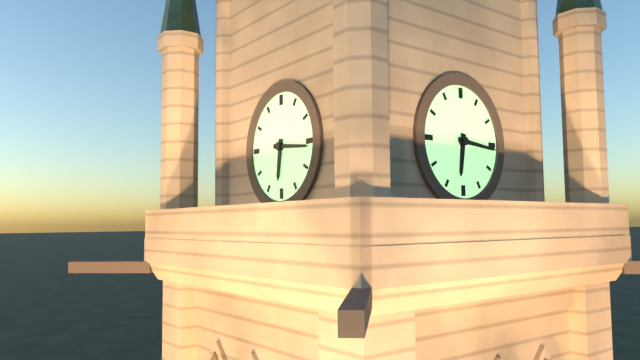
6:16
